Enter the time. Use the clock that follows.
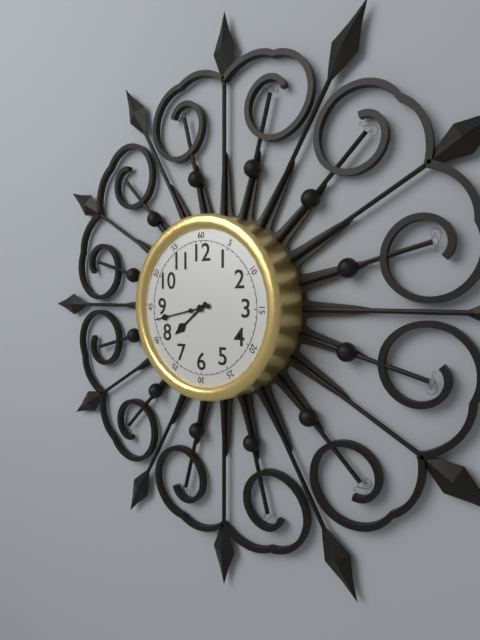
7:43
